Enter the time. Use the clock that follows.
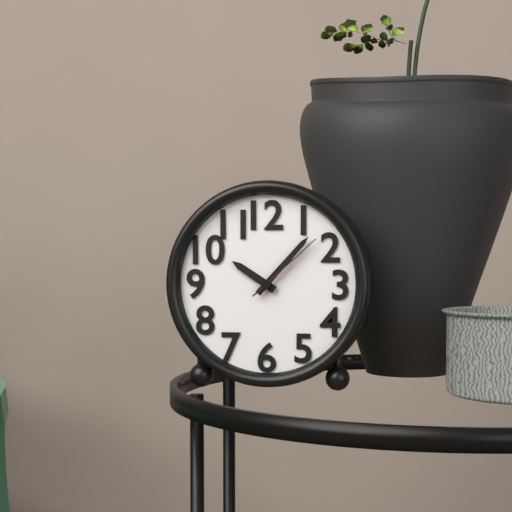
10:07:08
